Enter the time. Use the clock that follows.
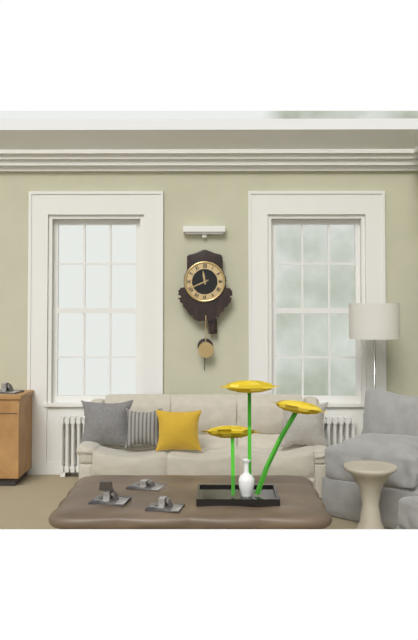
11:41
